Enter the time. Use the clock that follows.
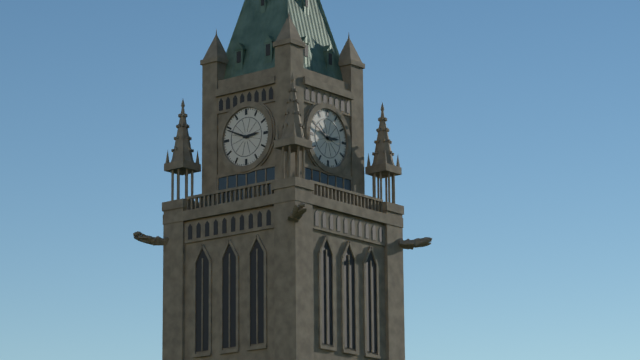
2:49
